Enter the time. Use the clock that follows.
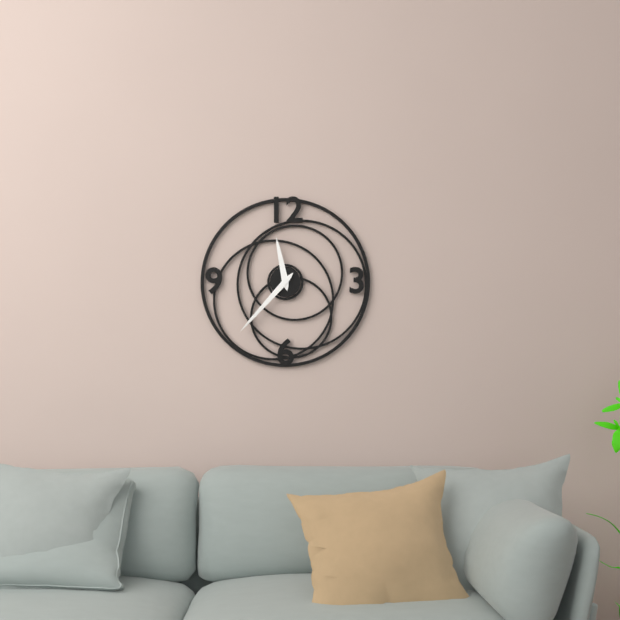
11:37
